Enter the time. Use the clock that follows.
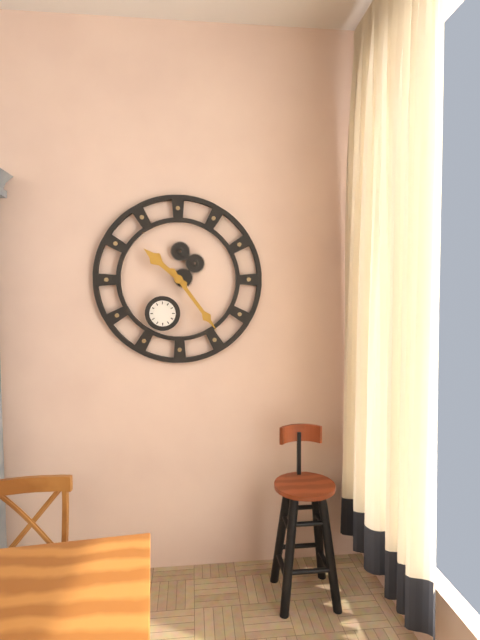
10:24
